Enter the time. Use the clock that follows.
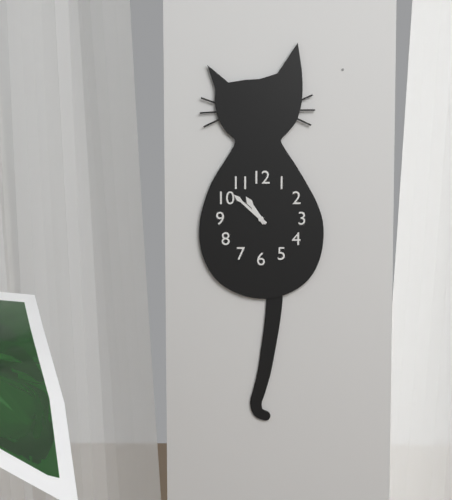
10:52
